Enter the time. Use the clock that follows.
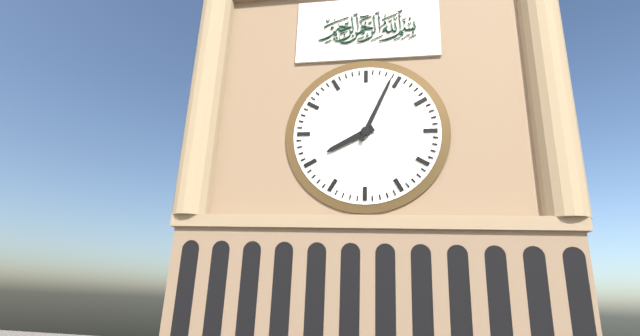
8:04
